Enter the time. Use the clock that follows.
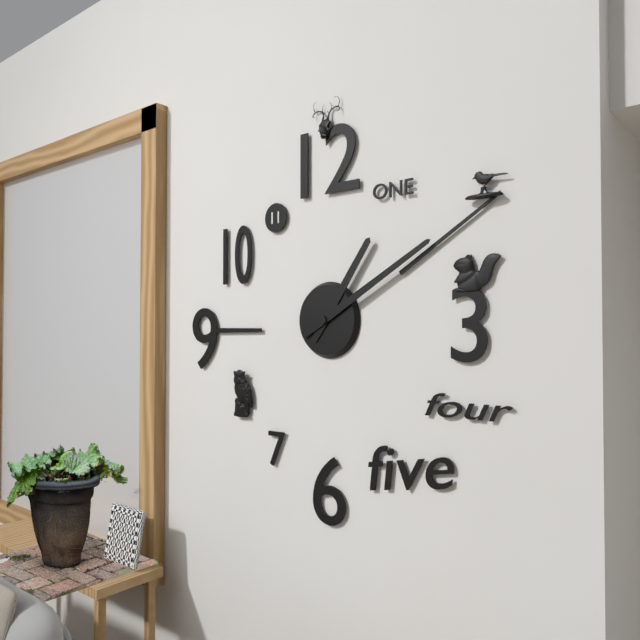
1:10
